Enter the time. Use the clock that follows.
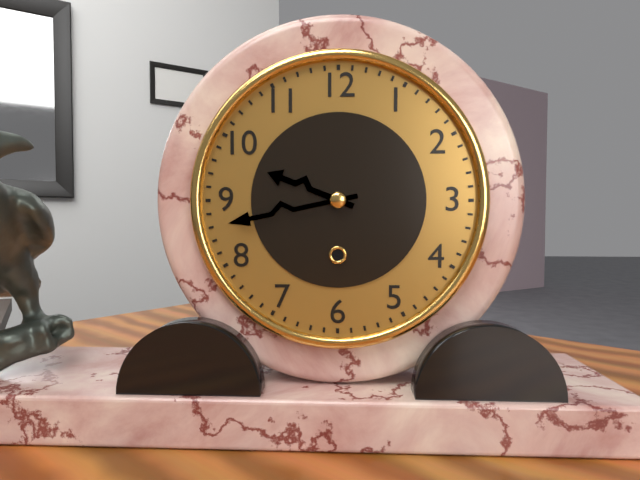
9:43
